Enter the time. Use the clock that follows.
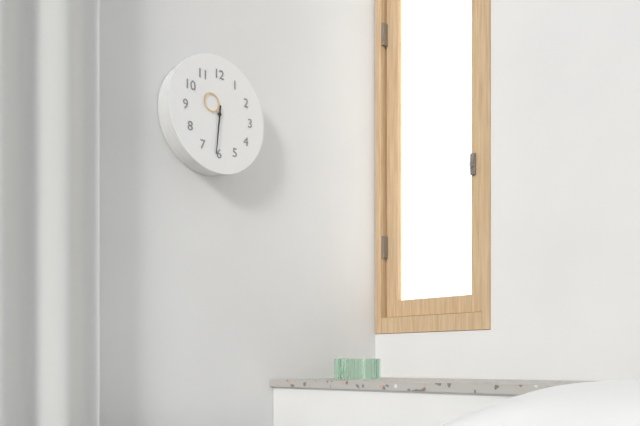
10:31
